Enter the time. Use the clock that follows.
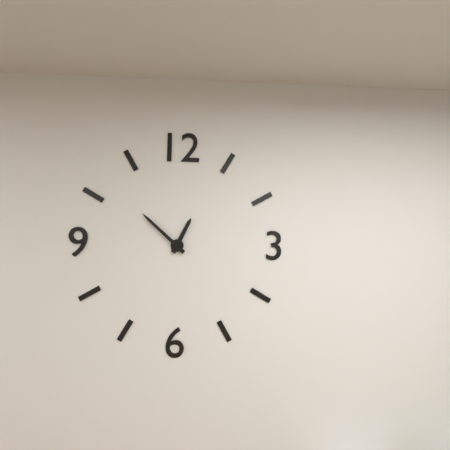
12:52
